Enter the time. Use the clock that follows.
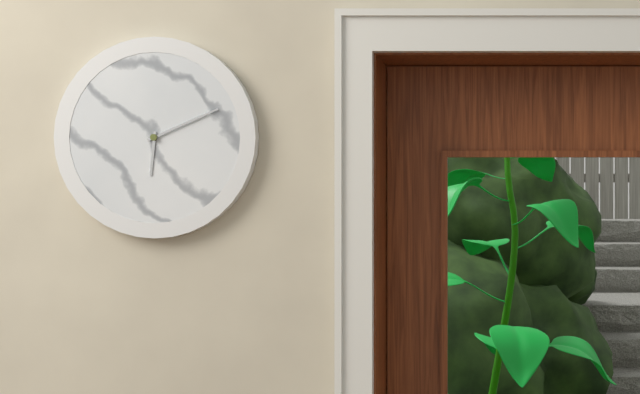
6:11
